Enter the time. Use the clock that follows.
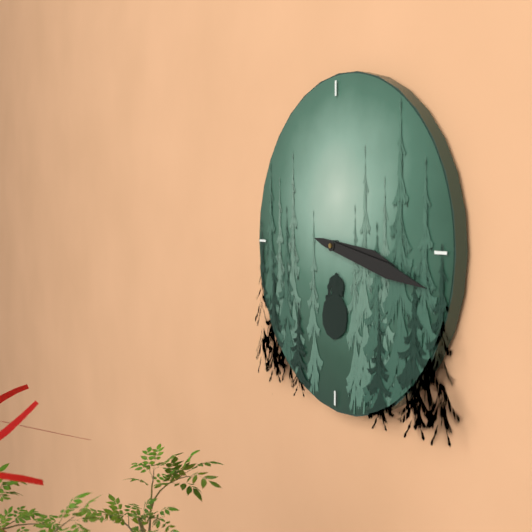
3:17
